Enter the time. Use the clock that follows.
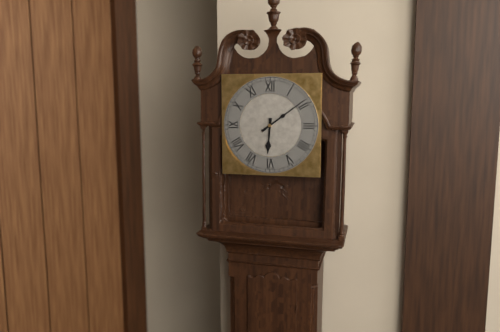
6:09
